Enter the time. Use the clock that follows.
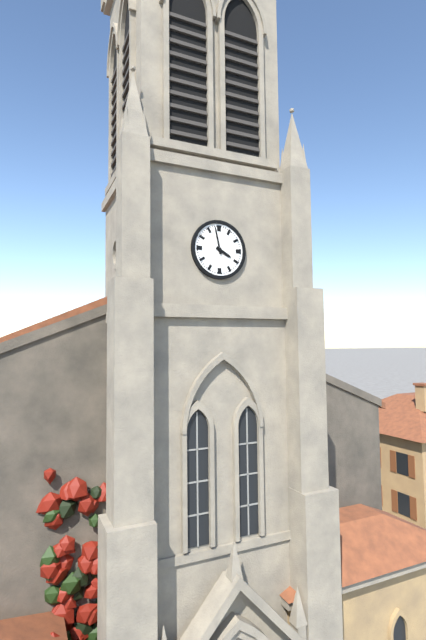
3:58
